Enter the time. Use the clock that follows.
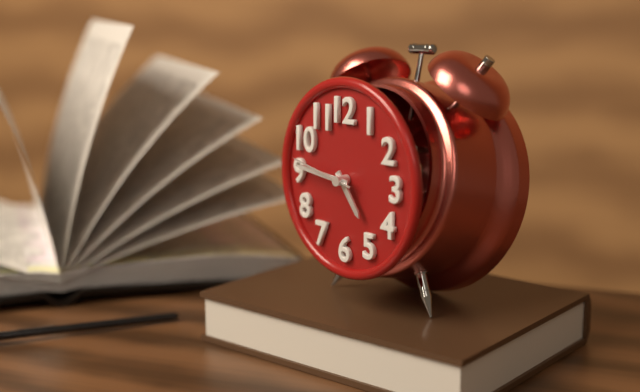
4:46:47
